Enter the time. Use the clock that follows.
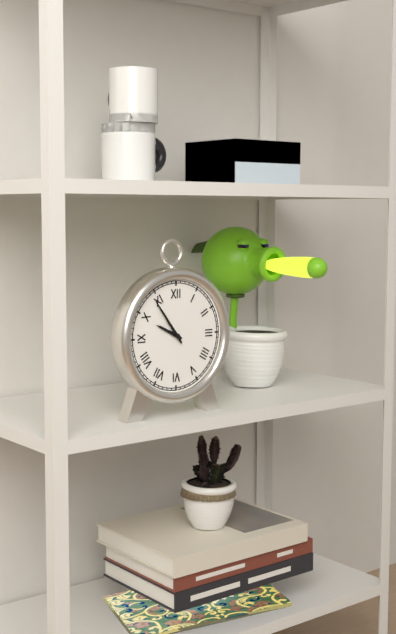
9:54
